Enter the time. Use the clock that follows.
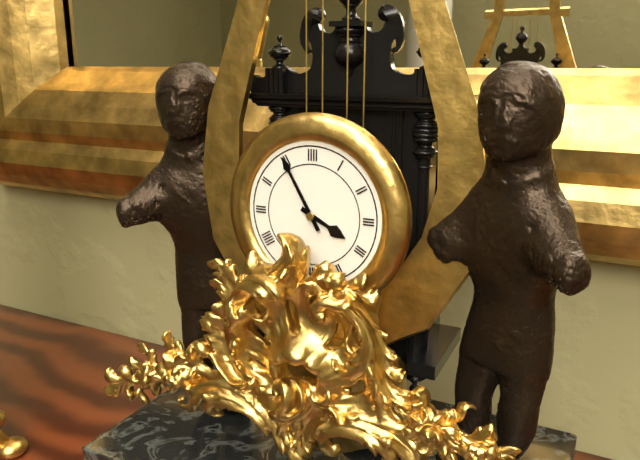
3:55
